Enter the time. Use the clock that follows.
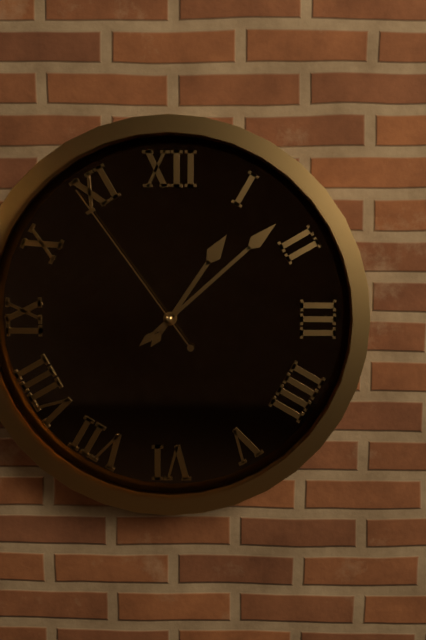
1:08:54
